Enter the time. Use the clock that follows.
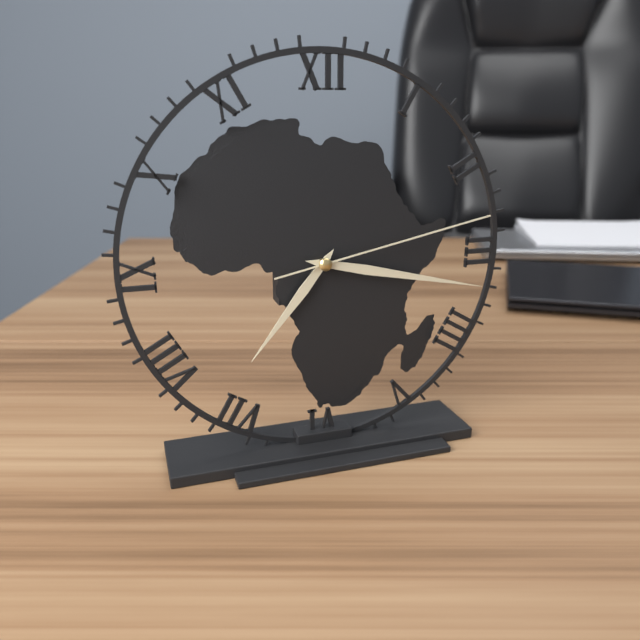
7:17:13
